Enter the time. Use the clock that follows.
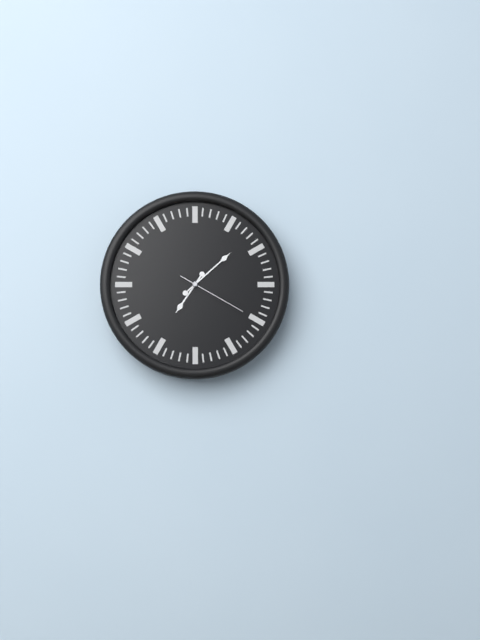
7:08:20
